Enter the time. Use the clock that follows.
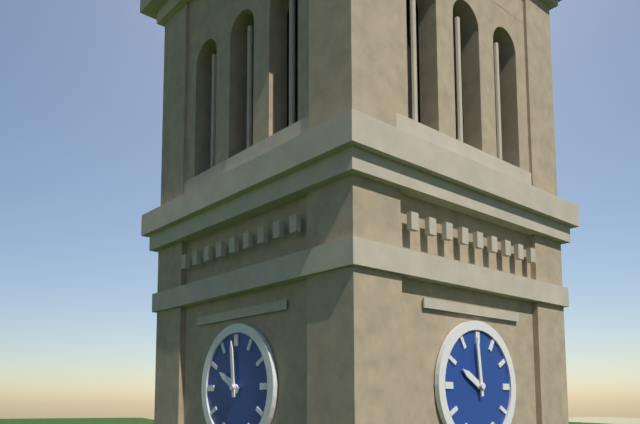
9:59
